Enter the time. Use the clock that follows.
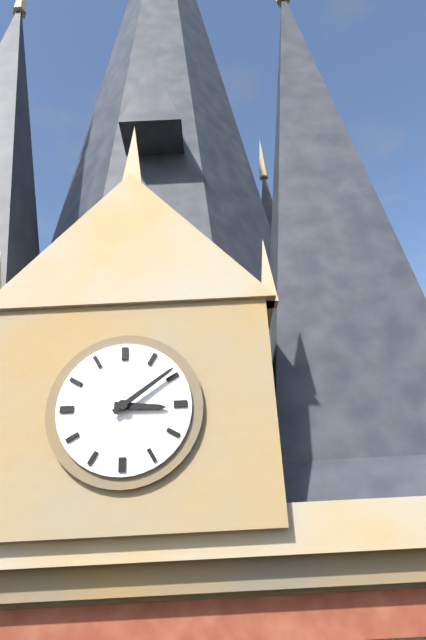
3:09
